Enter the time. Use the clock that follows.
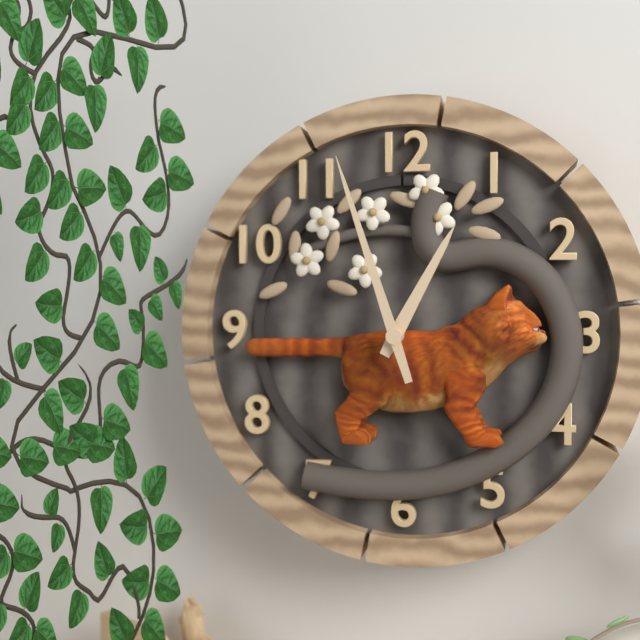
12:57
